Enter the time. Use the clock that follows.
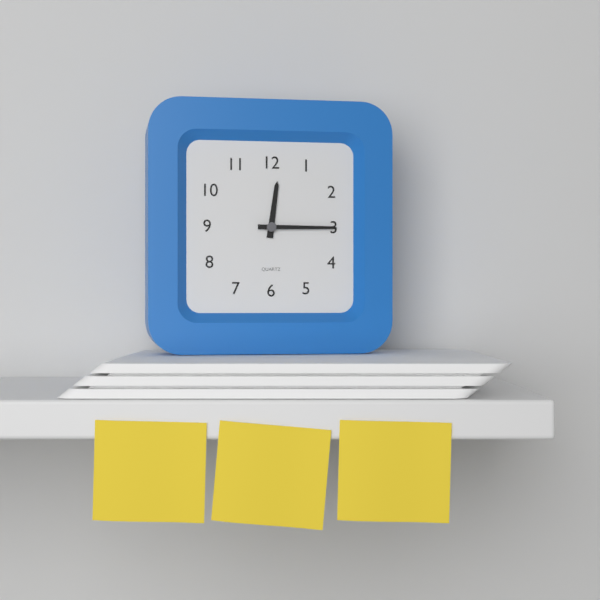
12:15
